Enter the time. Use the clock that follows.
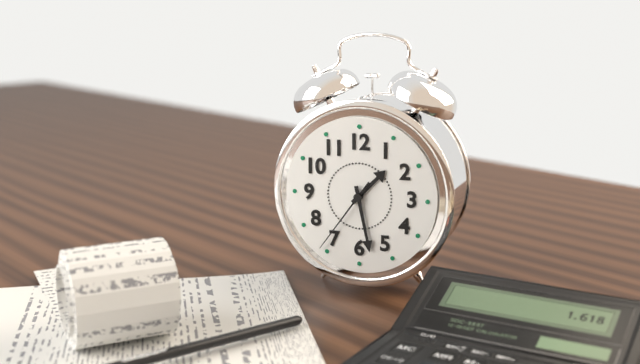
1:28:36
